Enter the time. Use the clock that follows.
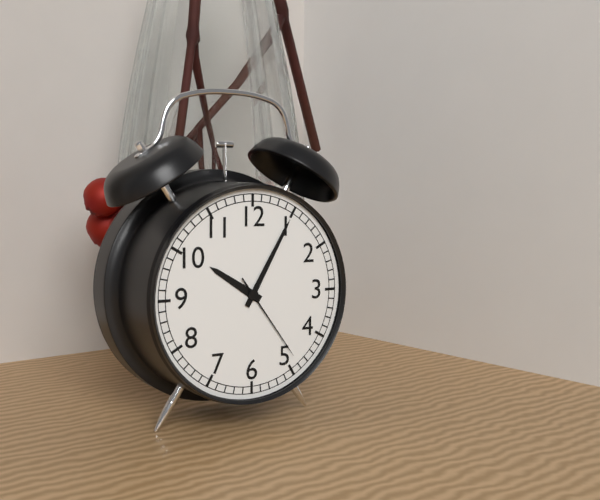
10:05:24
